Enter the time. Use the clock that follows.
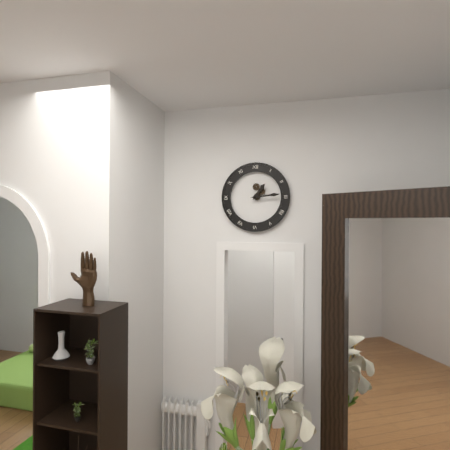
1:14
